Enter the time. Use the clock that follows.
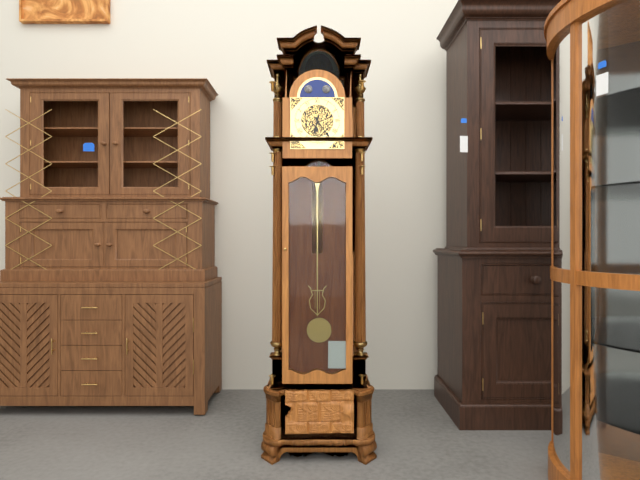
6:24
